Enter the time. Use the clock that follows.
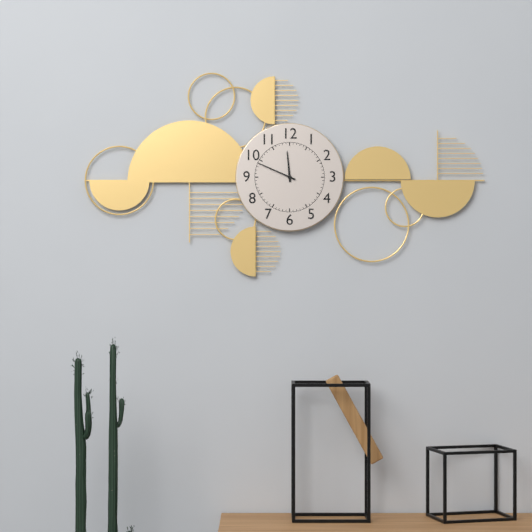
11:49
